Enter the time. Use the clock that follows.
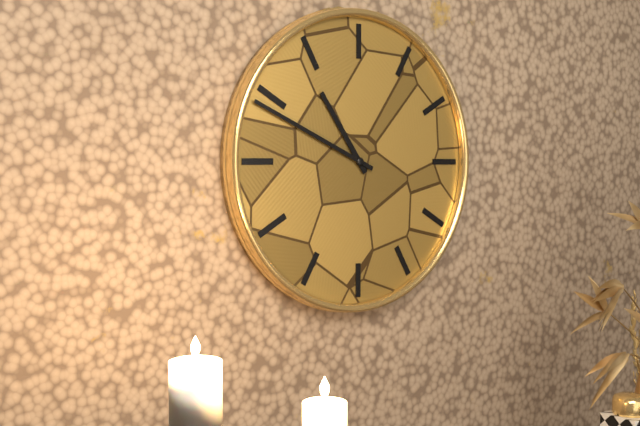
10:49
